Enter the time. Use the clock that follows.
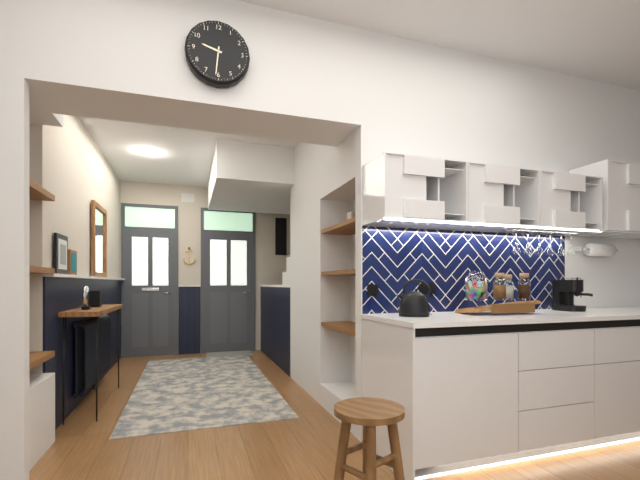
9:31
